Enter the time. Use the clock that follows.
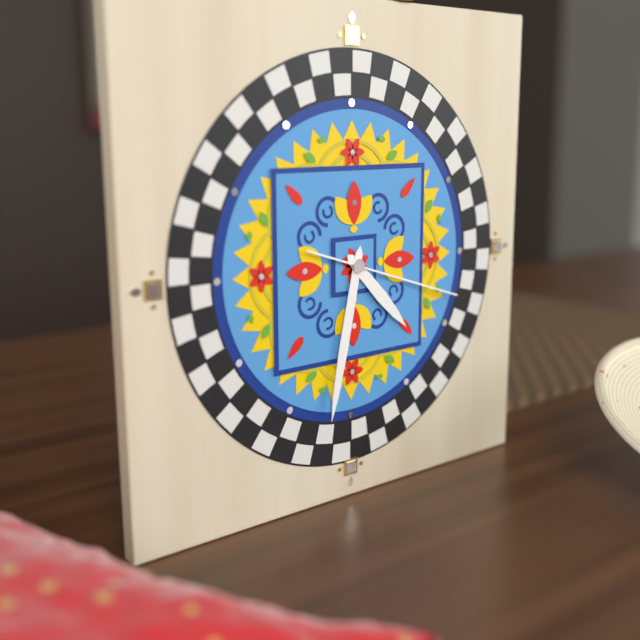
4:32:18
